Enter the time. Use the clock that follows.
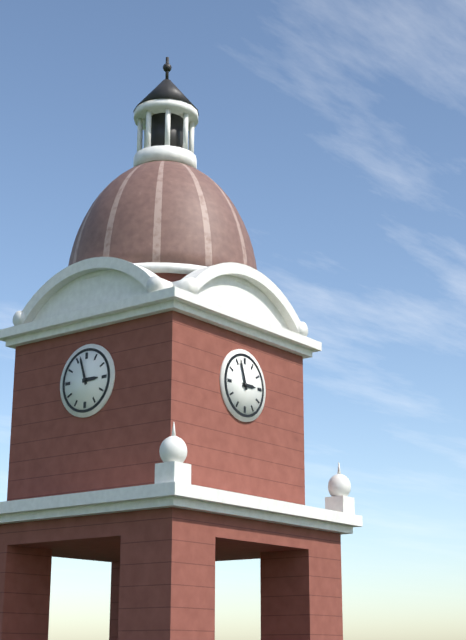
2:57
